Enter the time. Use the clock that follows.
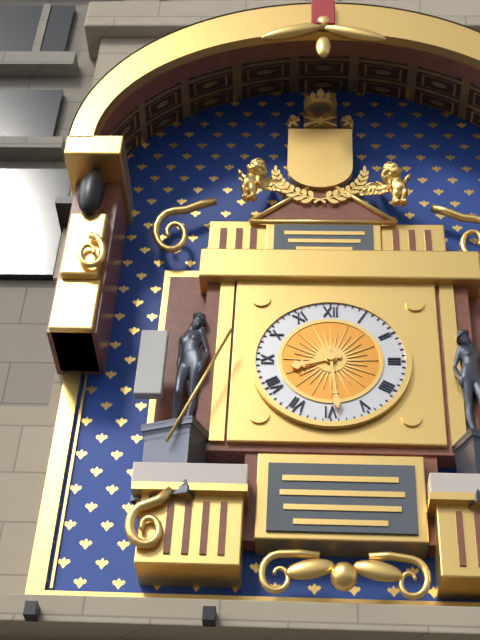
8:29
